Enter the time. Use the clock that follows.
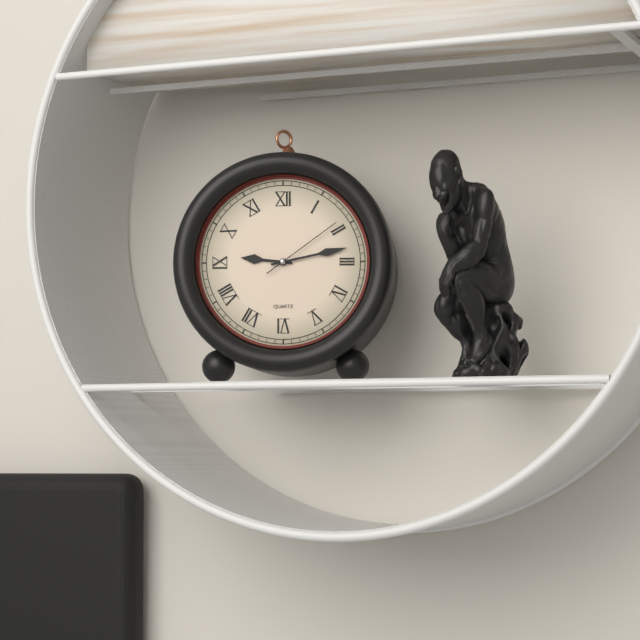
9:13:09
